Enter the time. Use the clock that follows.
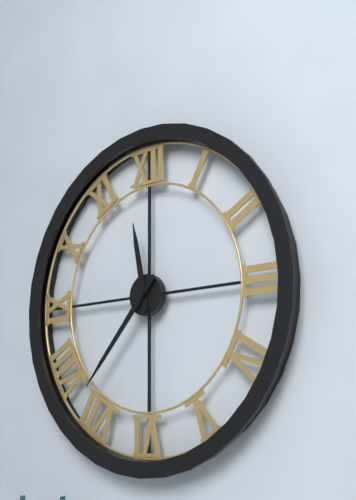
11:37
